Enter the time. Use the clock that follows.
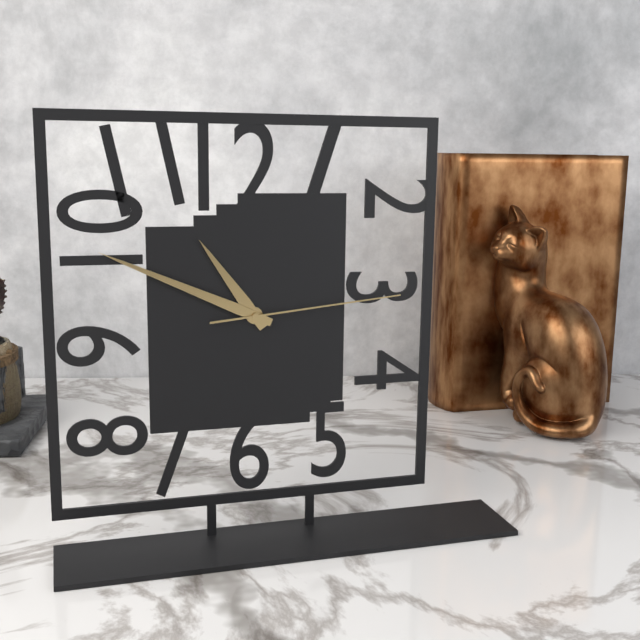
10:49:14
